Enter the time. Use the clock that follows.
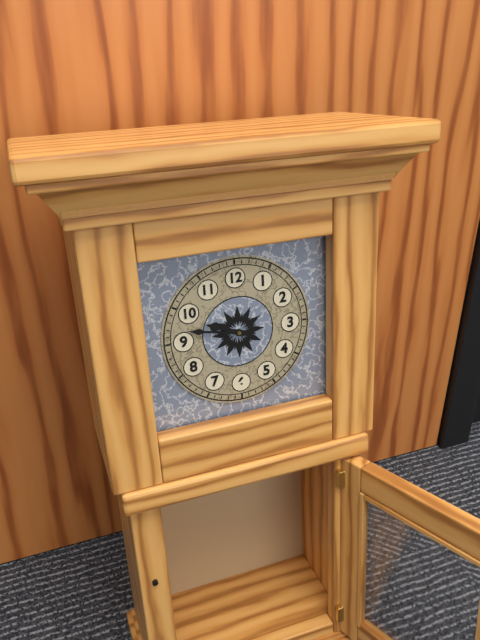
9:47
